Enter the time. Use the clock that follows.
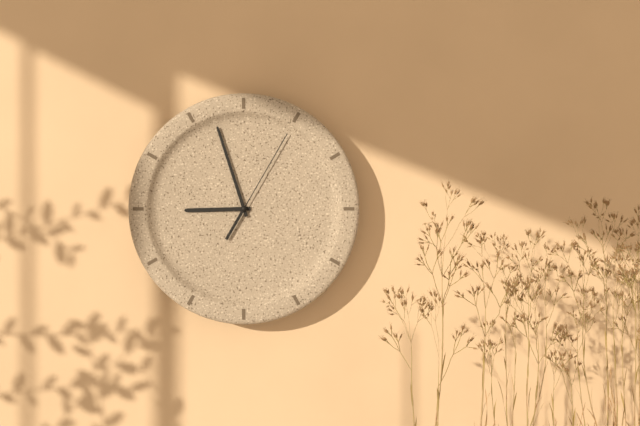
8:57:05
